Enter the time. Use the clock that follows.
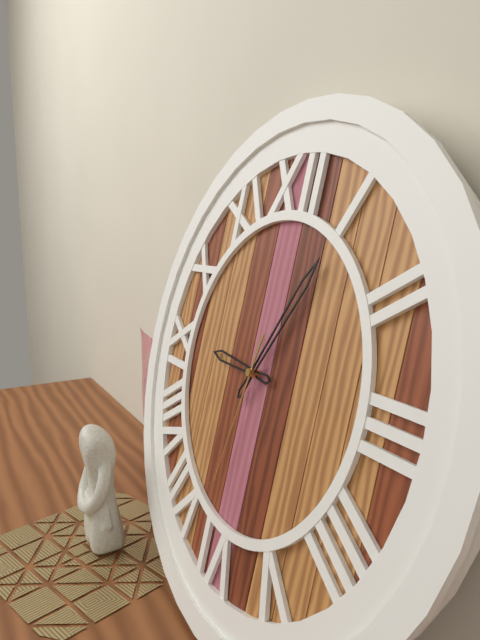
9:05:32
